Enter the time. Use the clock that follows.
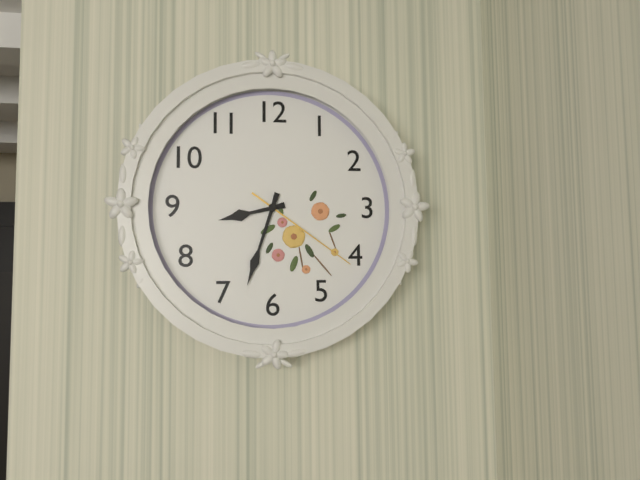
8:33:21
